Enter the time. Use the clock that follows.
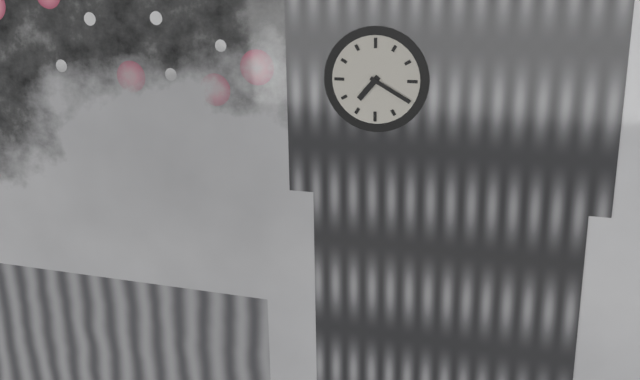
7:20
